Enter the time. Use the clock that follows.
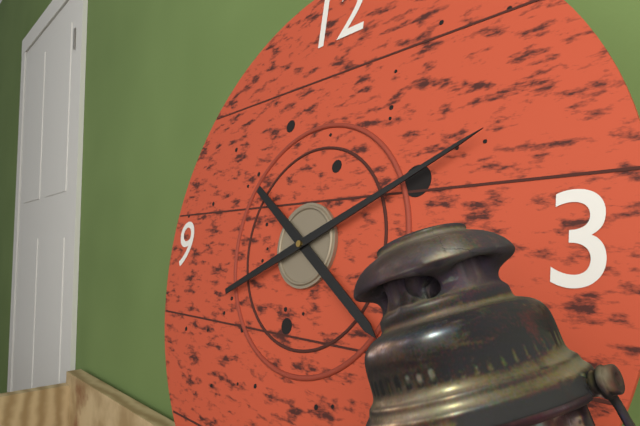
4:11
